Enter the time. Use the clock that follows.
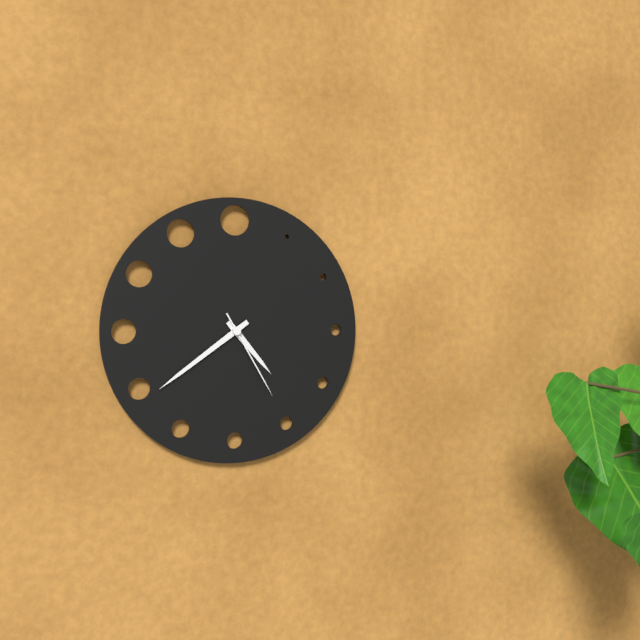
4:39:25
